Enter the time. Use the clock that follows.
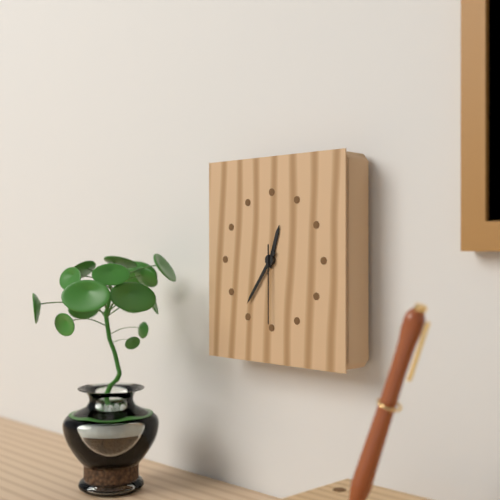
12:36:30
